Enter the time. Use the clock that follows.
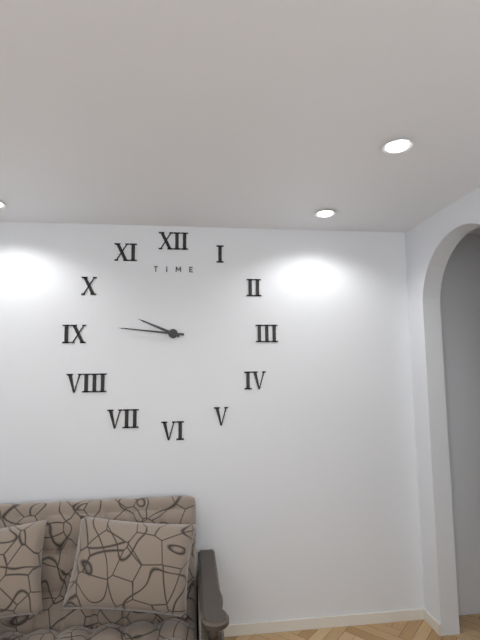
9:46
